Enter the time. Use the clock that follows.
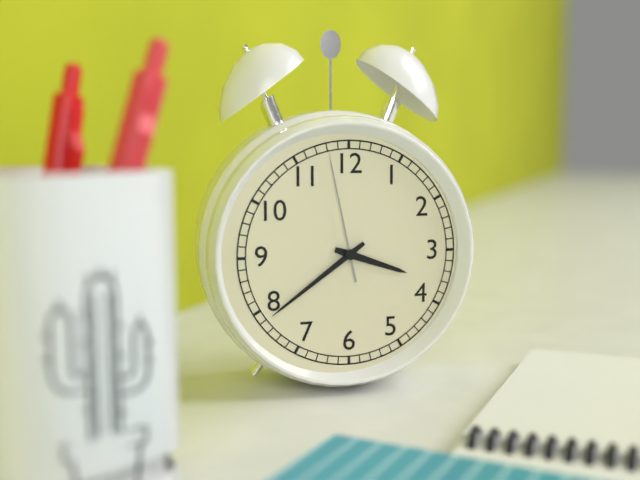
3:39:58
